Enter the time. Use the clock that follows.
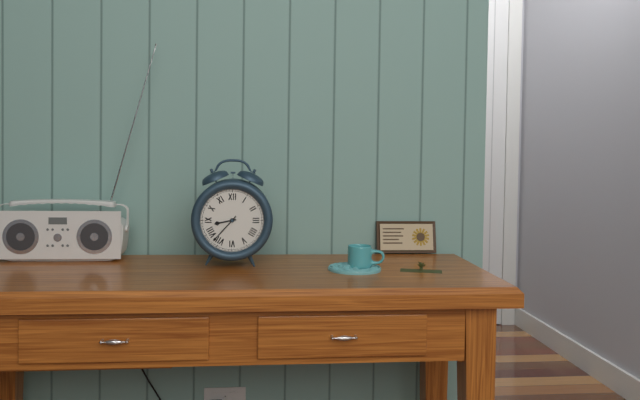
8:37
